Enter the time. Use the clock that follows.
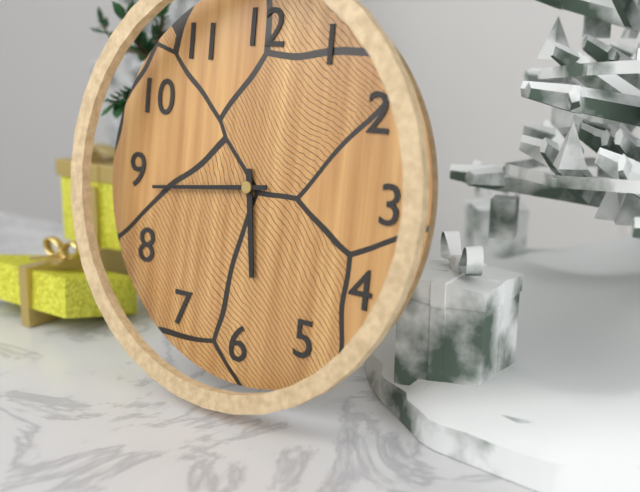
5:44
